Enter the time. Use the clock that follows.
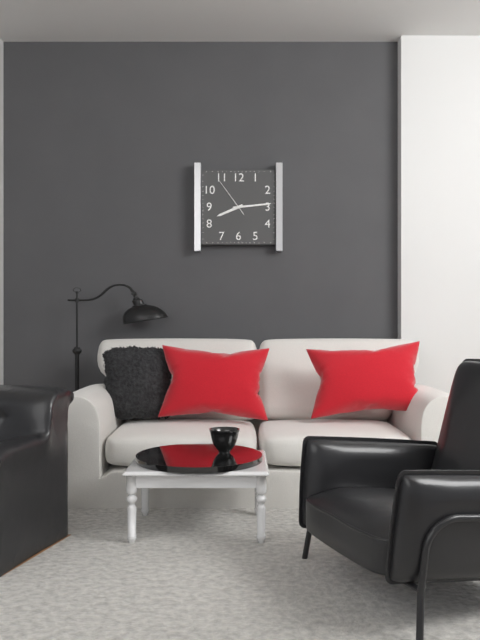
8:14
